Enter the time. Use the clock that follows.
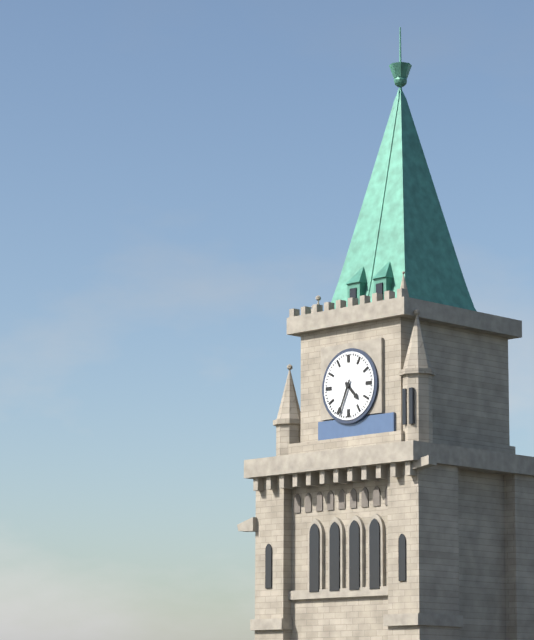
4:34
